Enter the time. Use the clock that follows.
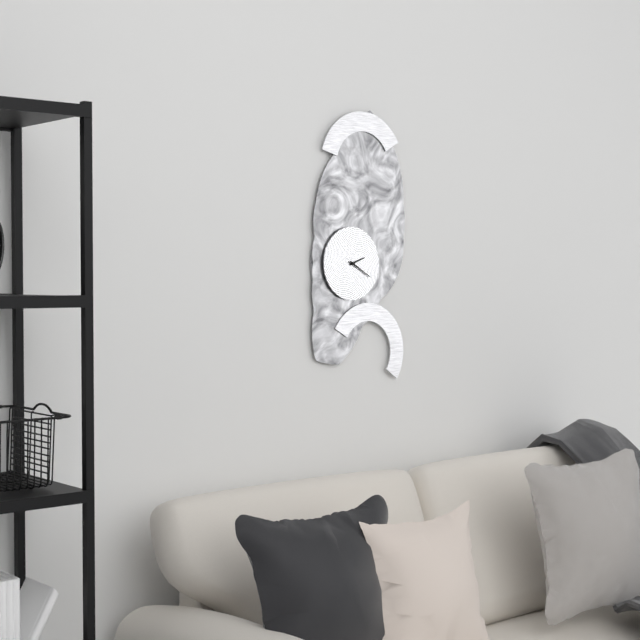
2:20
